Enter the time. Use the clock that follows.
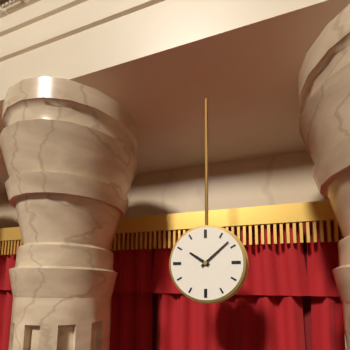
10:08
